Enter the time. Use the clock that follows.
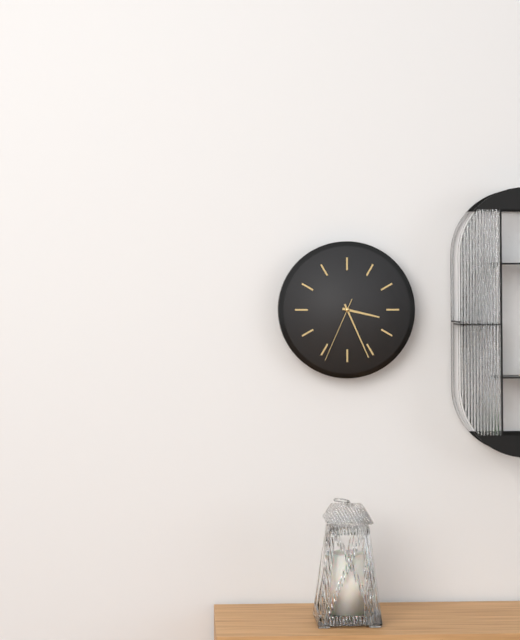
3:26:34
